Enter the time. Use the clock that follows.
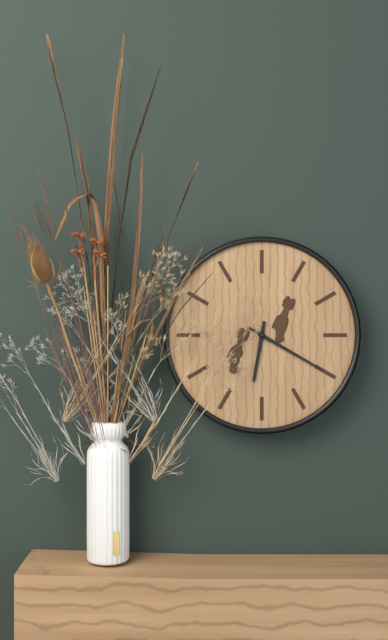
6:20
